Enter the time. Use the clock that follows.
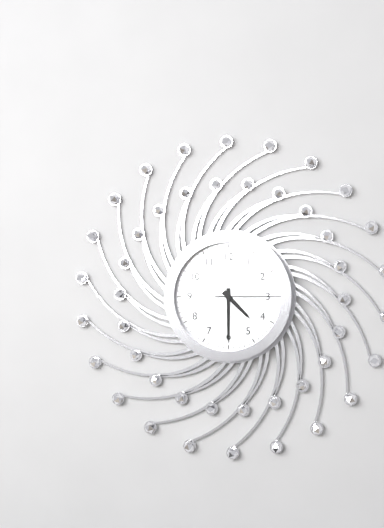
4:30:15
